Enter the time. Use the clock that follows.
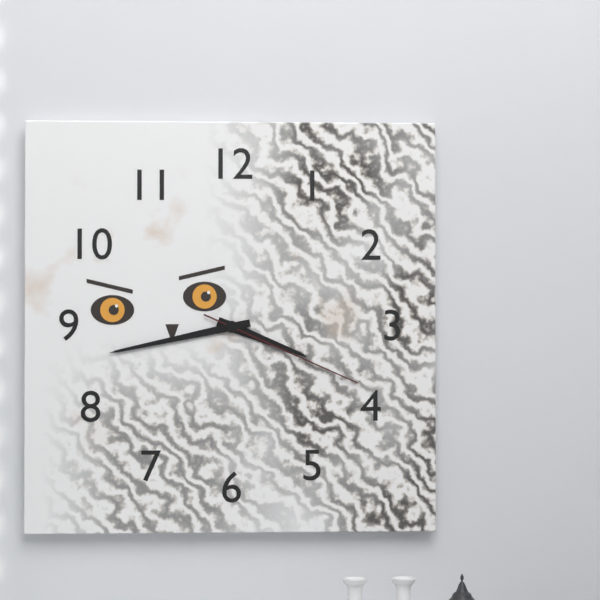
3:43:19
